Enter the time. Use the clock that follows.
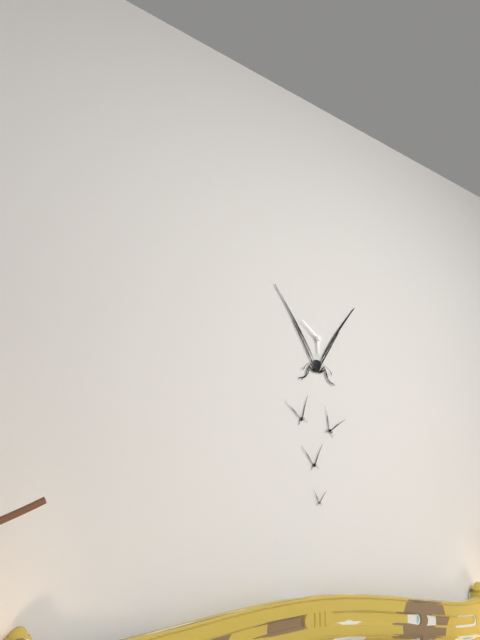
5:51
